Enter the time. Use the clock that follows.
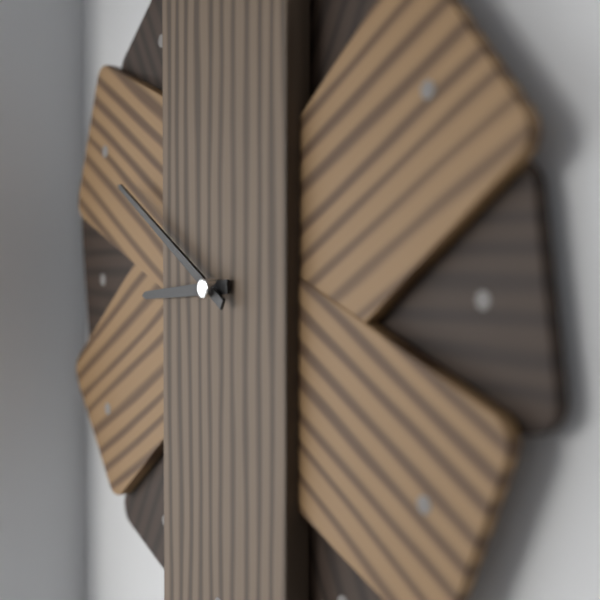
8:50
